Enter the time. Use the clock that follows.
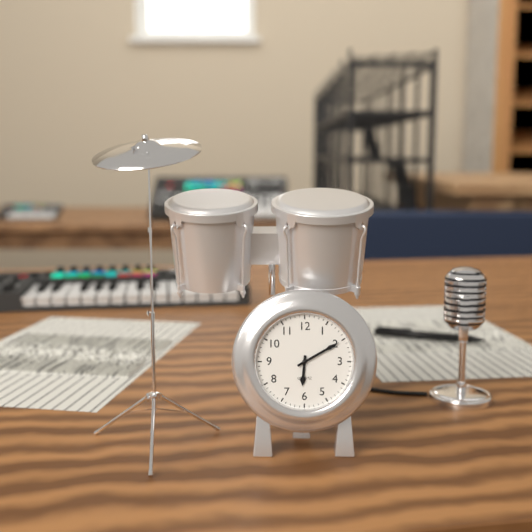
6:10
